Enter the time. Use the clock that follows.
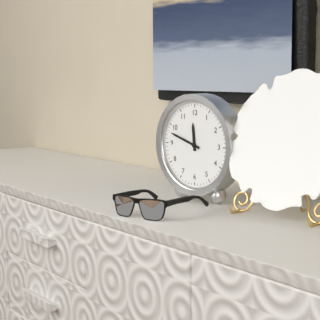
11:48
